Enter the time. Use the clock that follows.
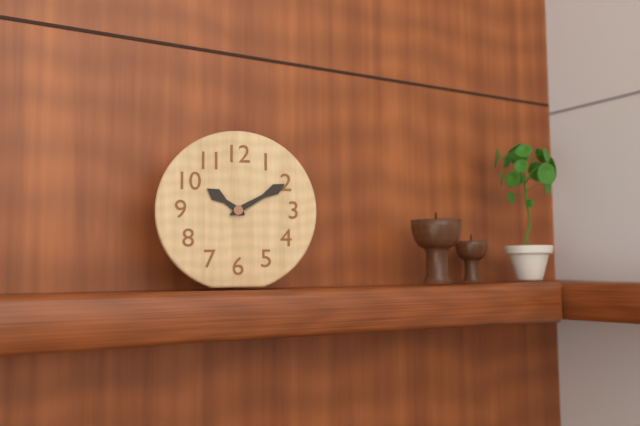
10:10
